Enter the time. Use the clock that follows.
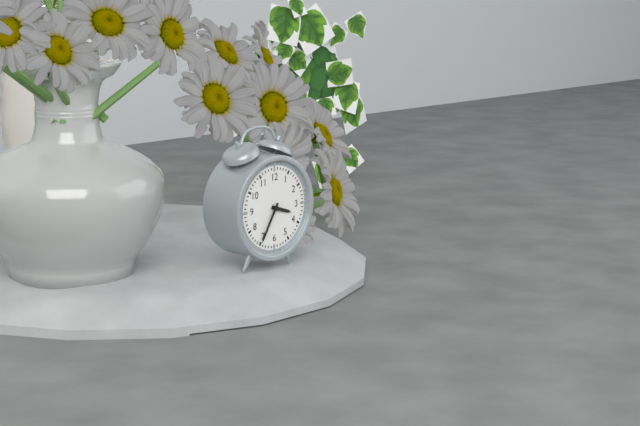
3:35
